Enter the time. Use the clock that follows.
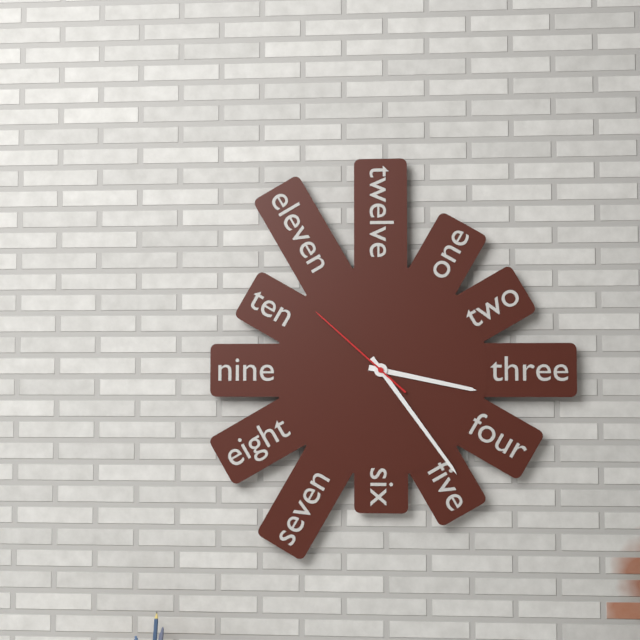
3:24:52
